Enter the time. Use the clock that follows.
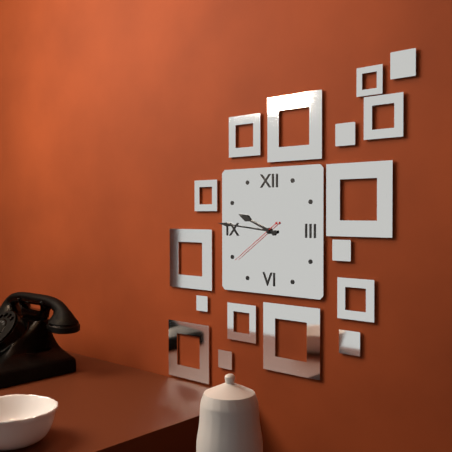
9:46:39
